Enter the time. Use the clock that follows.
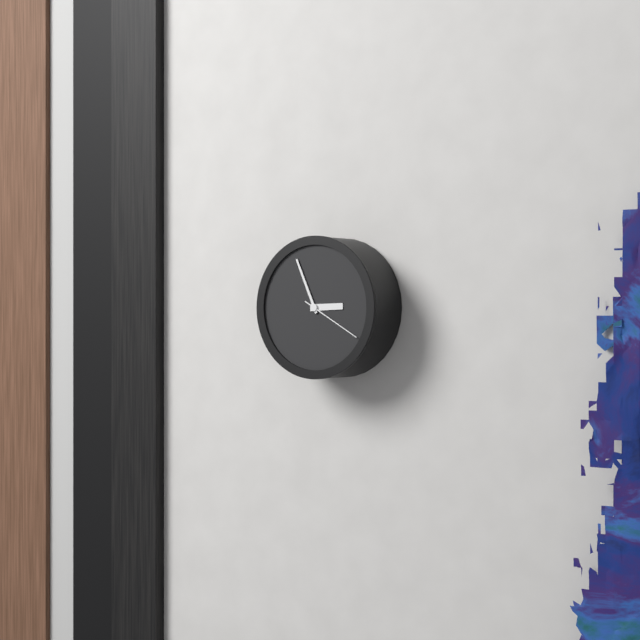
2:56:20
